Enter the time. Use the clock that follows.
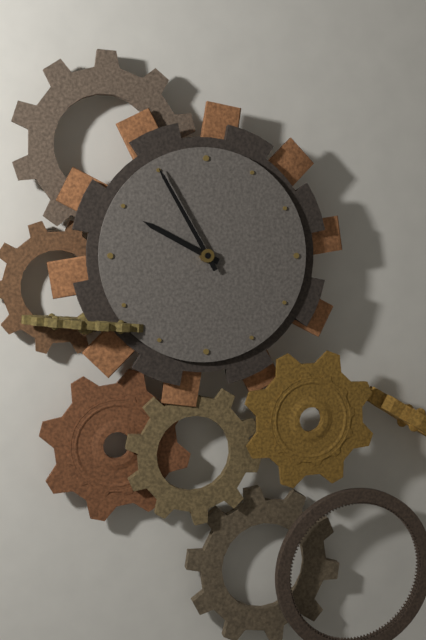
9:55
